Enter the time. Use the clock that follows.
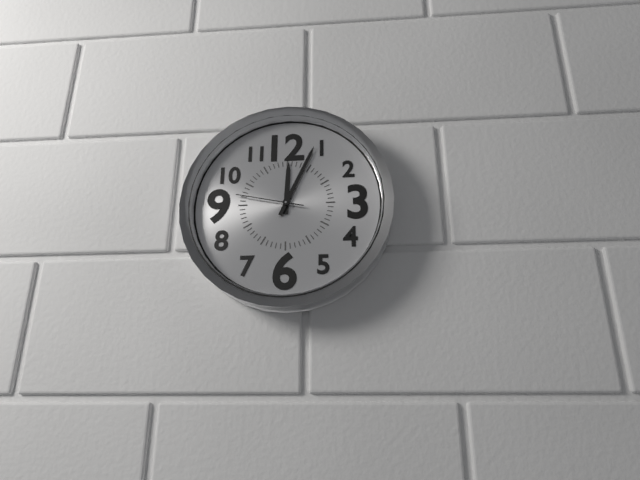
12:04:47
